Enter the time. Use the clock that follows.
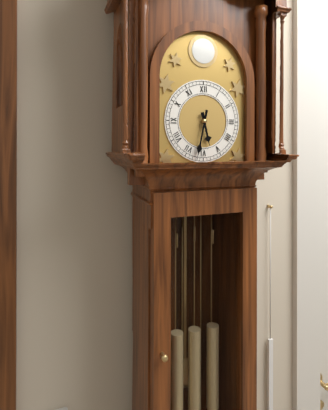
5:32
